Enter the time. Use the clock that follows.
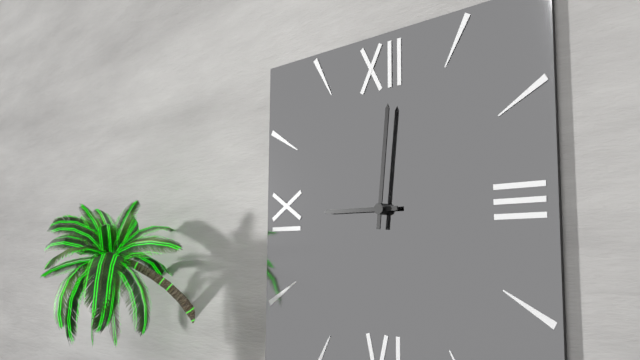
9:01
